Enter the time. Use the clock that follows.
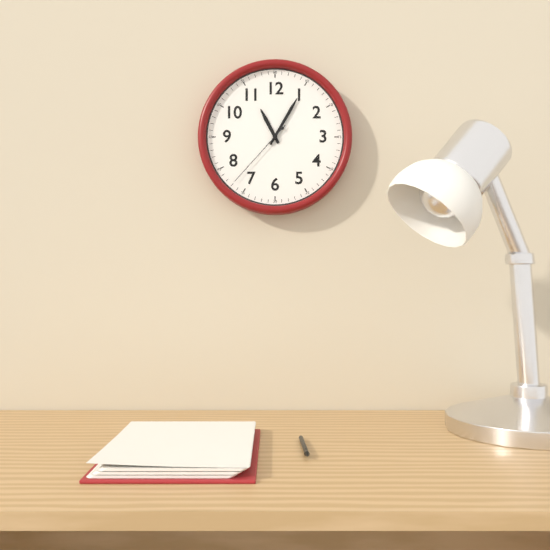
11:05:37
